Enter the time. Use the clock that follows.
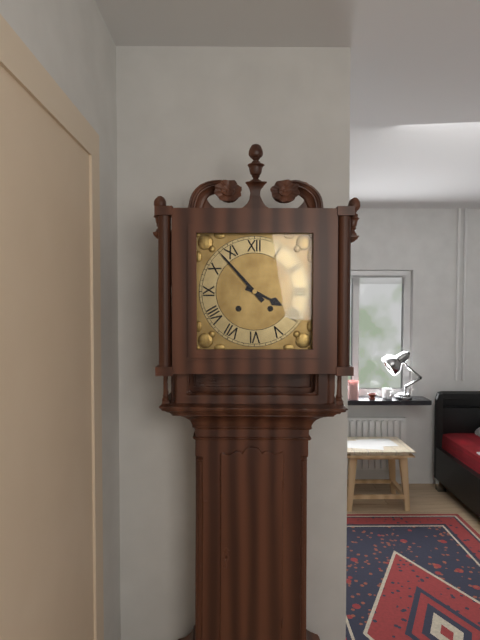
3:53
